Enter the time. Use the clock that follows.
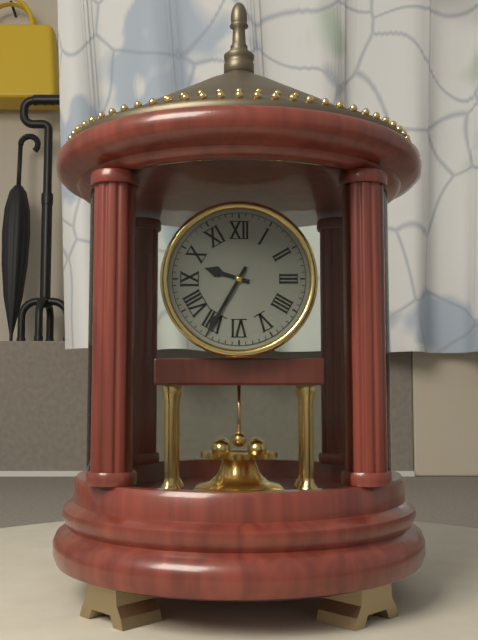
9:35
